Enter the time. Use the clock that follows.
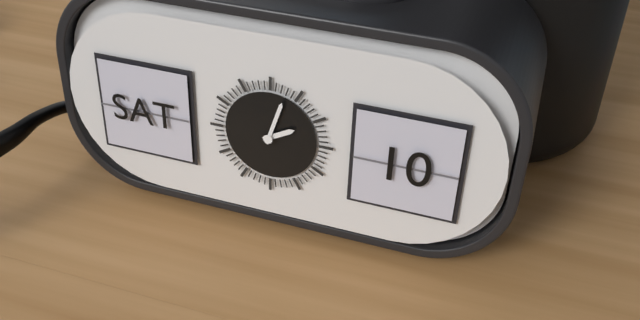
2:03
